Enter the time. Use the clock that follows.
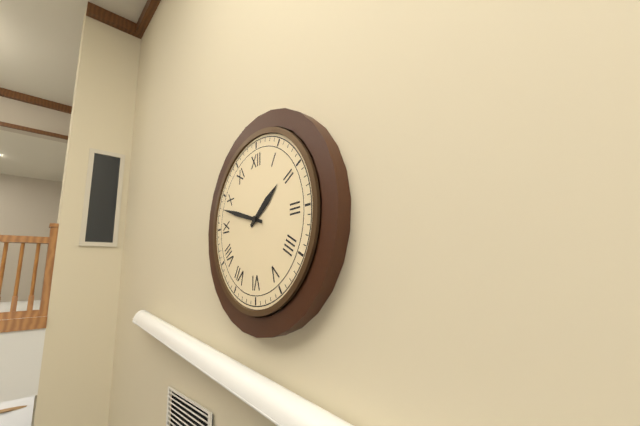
1:48
